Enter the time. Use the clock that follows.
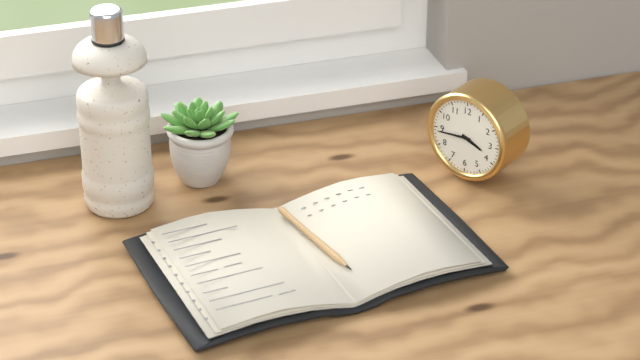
3:44
